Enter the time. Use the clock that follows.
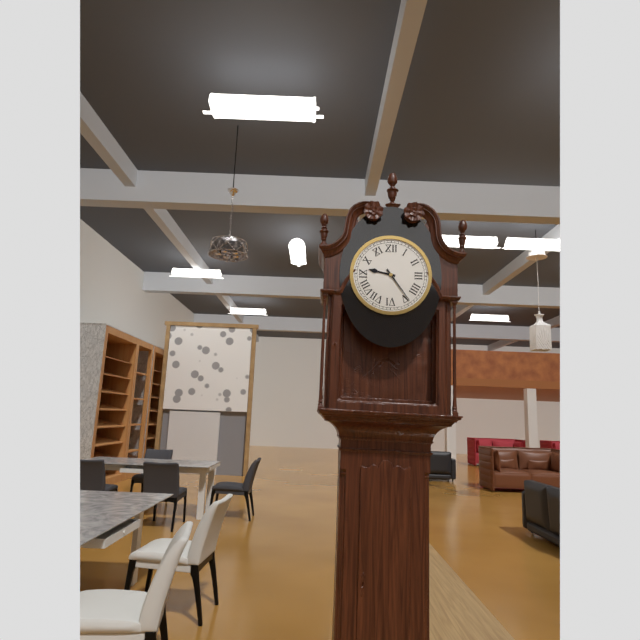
9:24
